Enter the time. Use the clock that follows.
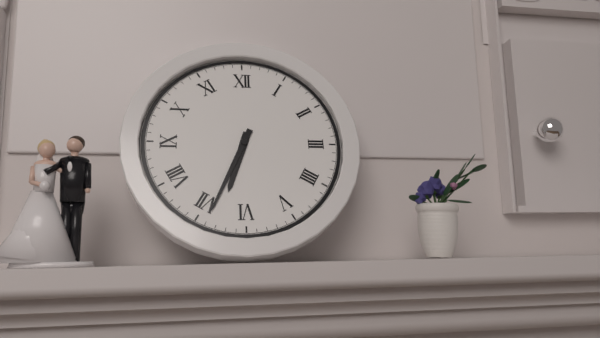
6:34
